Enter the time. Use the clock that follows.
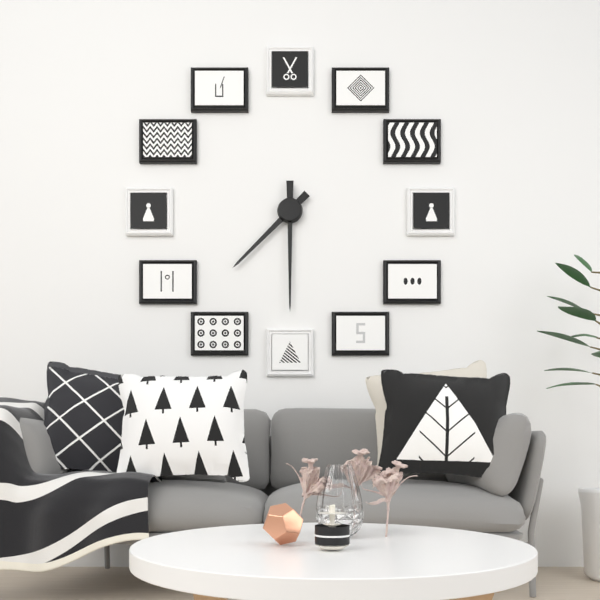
7:30
